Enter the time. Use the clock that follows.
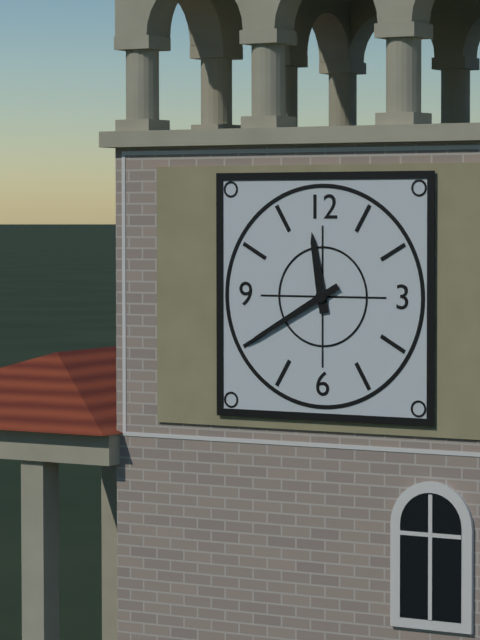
11:40
